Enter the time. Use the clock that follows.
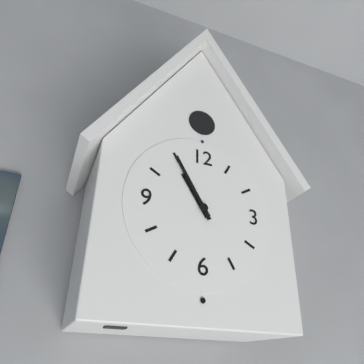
10:55
